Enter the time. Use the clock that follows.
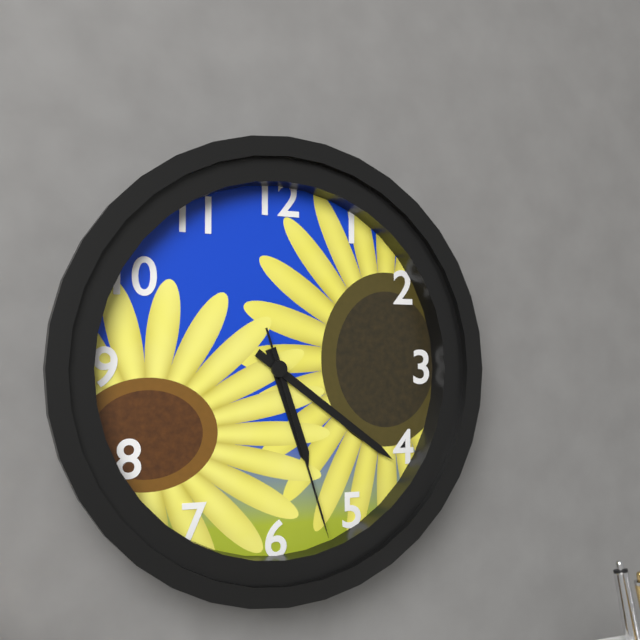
5:21:27
